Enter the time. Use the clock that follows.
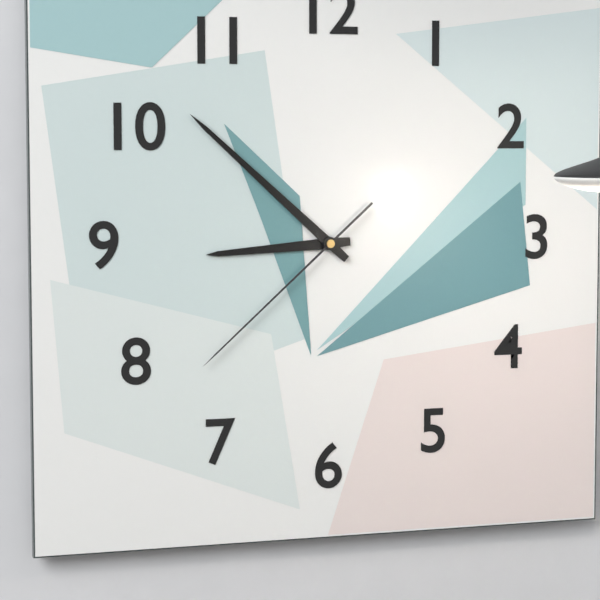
8:52:38
